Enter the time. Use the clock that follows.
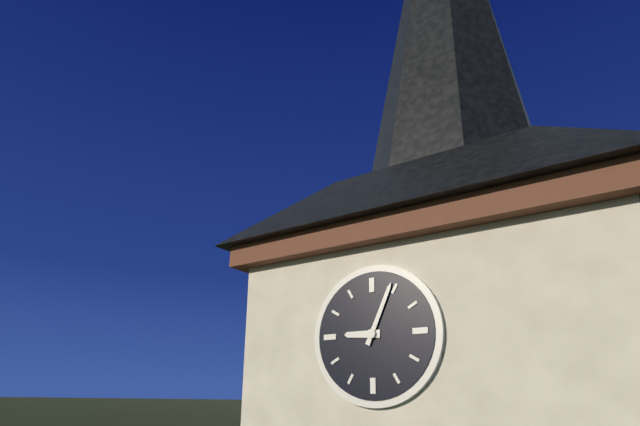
9:04
